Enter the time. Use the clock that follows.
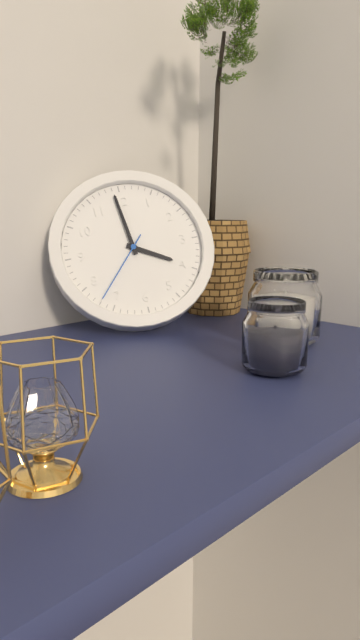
3:59:37
